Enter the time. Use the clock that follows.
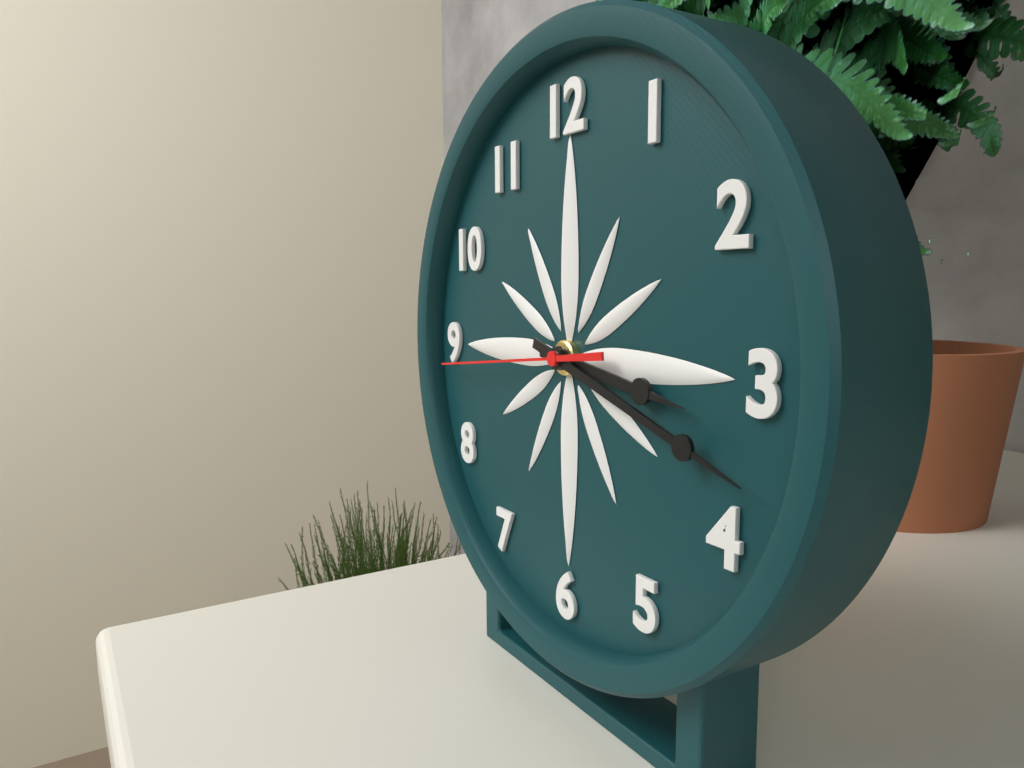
3:18:44
